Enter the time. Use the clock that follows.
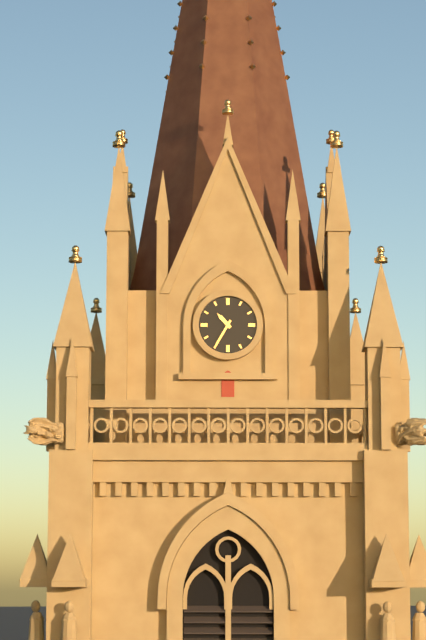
10:35
